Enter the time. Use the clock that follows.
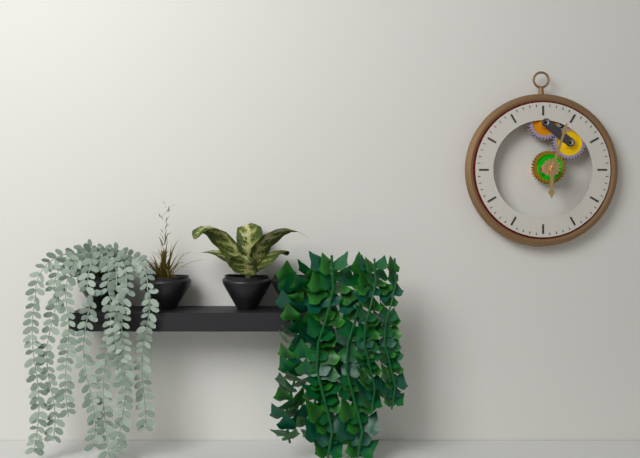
6:03
